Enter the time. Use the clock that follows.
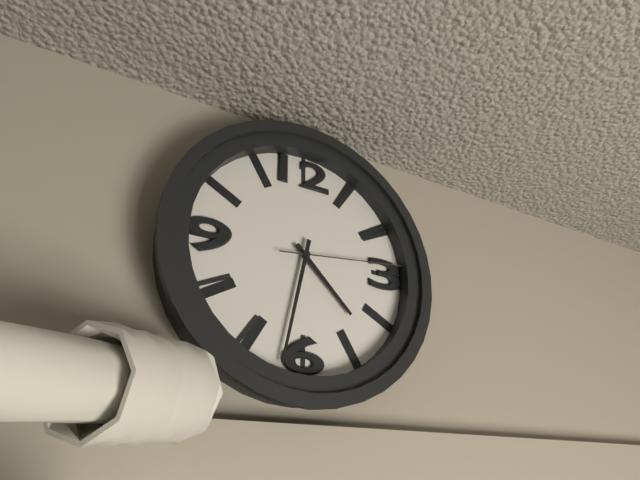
4:32:14
